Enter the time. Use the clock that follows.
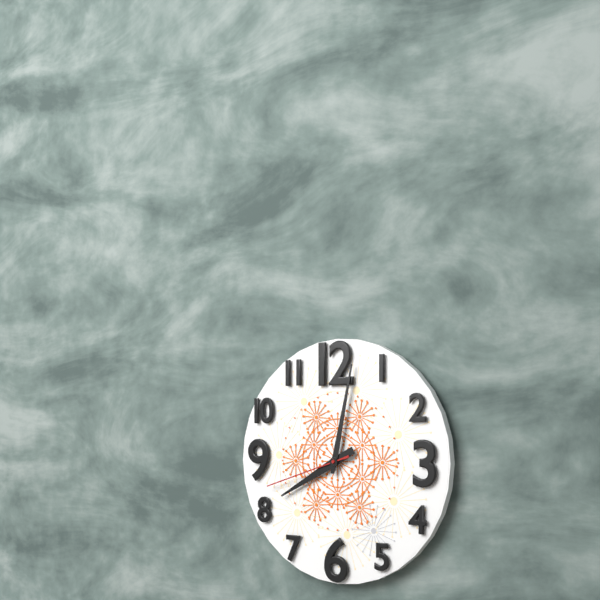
8:02:42
